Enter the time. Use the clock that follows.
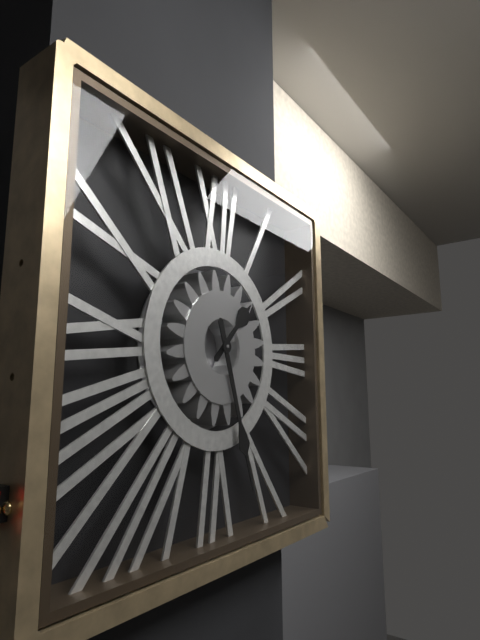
1:27
